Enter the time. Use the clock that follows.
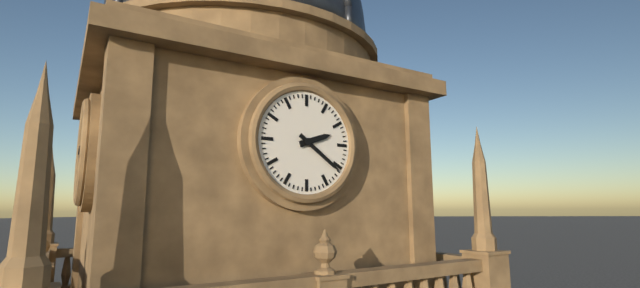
2:21
